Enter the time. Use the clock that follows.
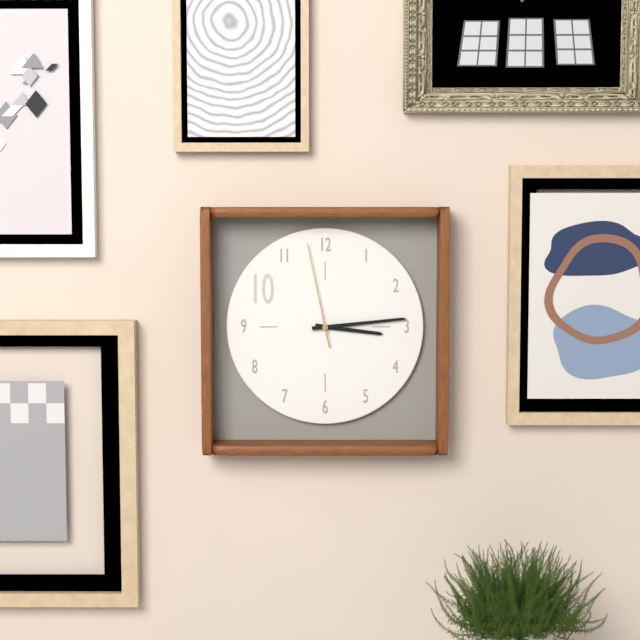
3:14:58
